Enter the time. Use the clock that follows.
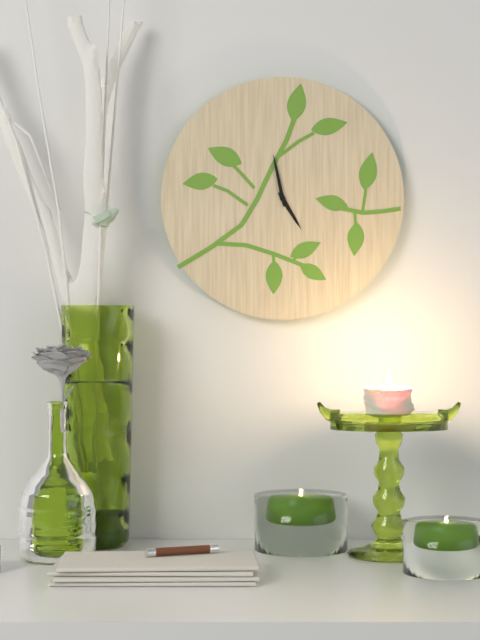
4:58
